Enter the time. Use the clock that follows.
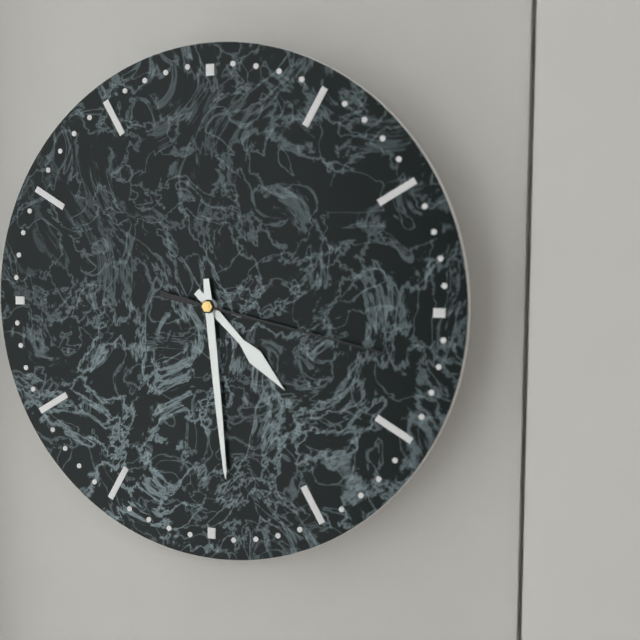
4:29:17
